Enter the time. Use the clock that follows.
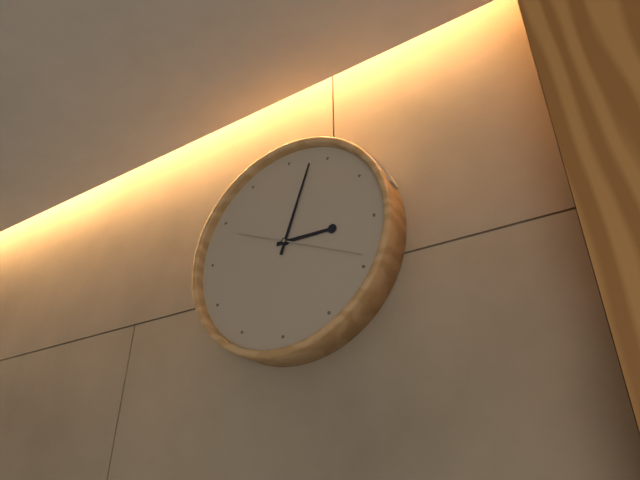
3:03:19
